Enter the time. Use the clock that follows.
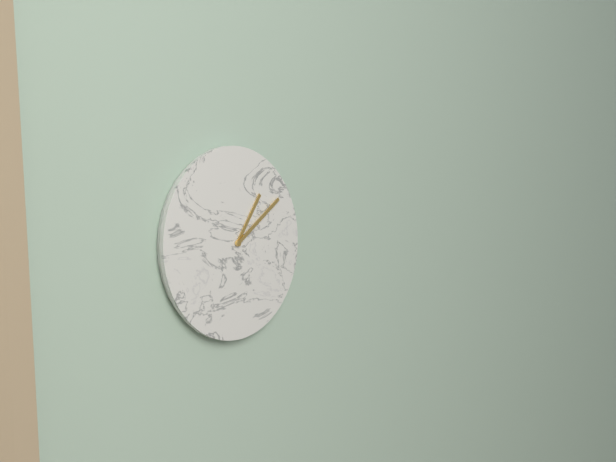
1:09
